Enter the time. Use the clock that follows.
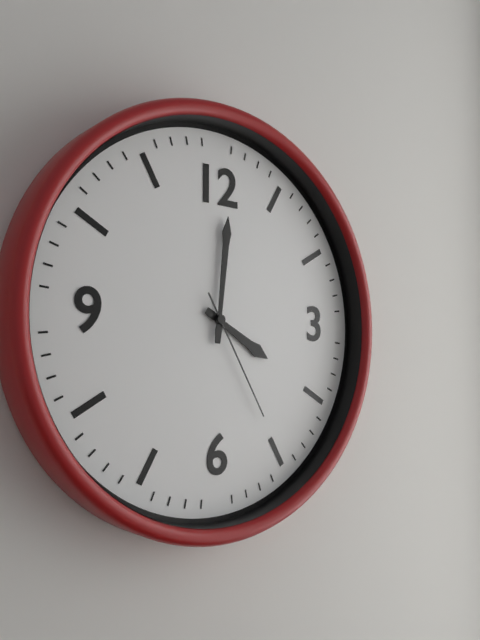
4:01:25
